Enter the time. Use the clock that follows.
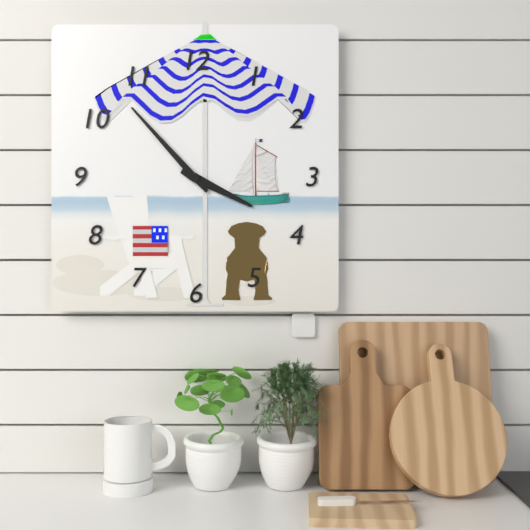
3:53
